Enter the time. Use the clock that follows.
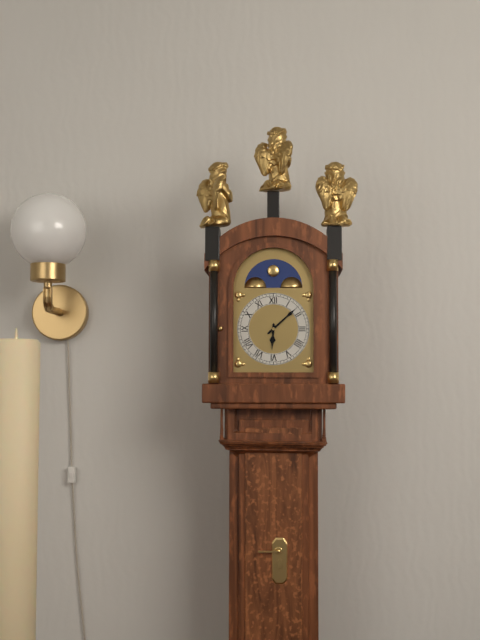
6:08
